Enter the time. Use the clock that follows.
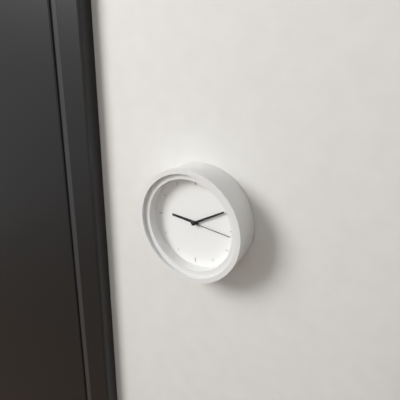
9:10
